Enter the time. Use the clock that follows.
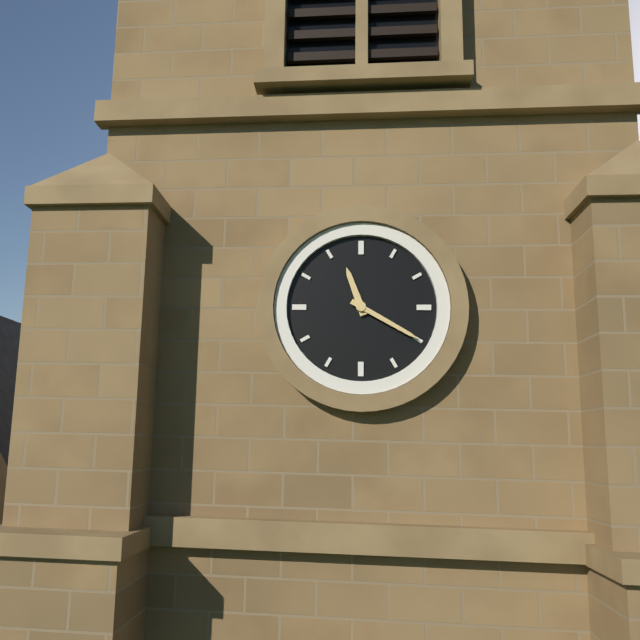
11:20
